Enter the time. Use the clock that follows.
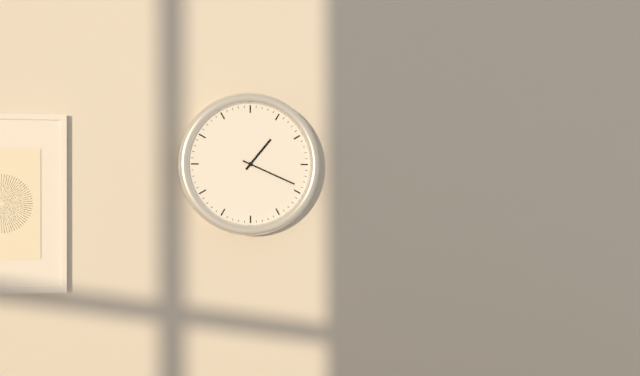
1:19
